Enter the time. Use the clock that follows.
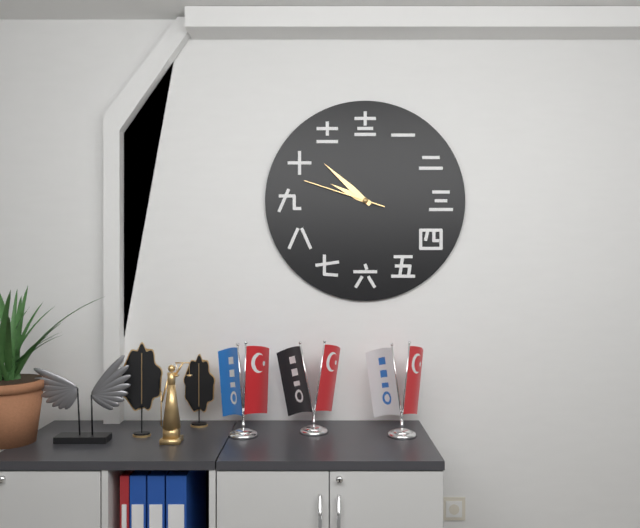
9:52:48
